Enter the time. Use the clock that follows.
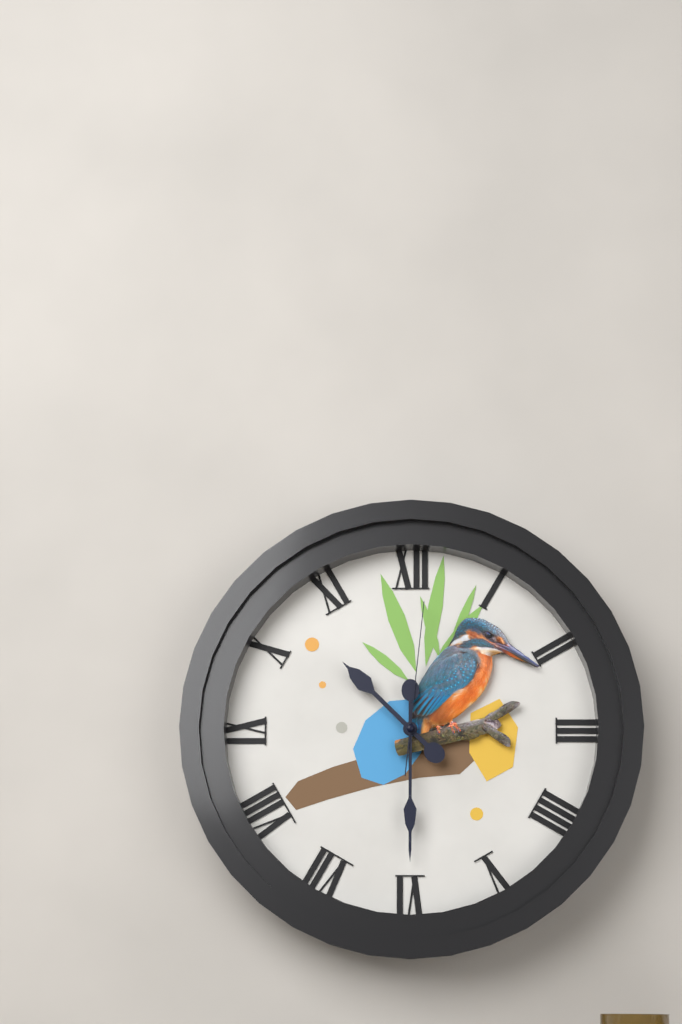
10:30:01
